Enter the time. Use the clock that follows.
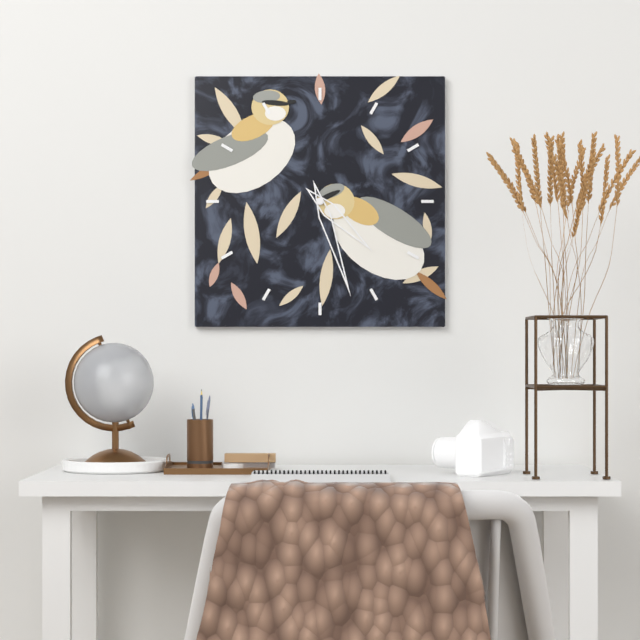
4:27
